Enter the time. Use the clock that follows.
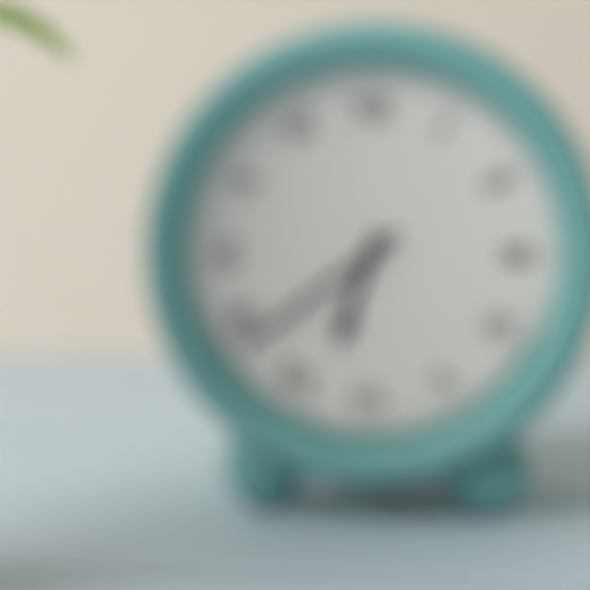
6:39
